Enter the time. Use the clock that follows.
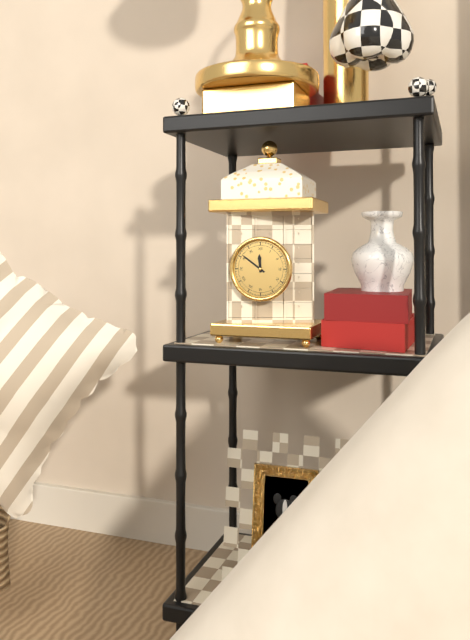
11:51
